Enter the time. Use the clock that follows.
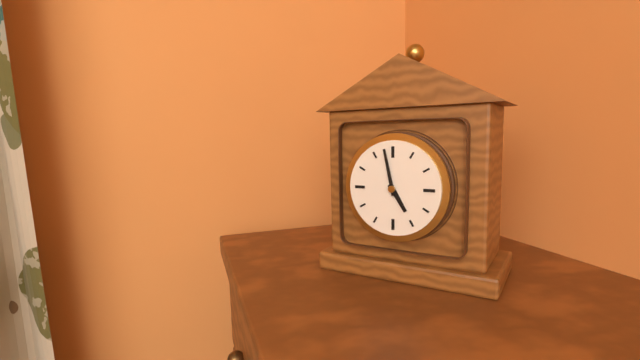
4:58
